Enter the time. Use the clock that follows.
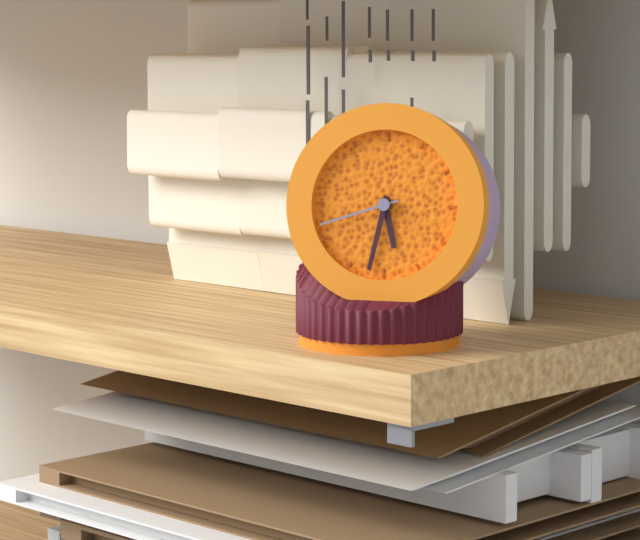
5:32:42
